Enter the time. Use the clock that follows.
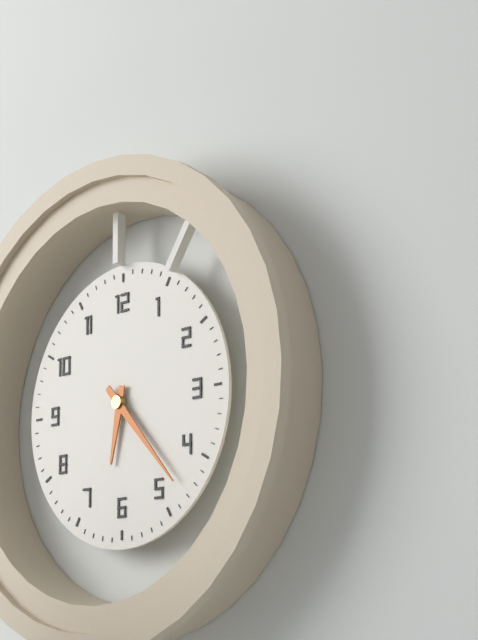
6:23
